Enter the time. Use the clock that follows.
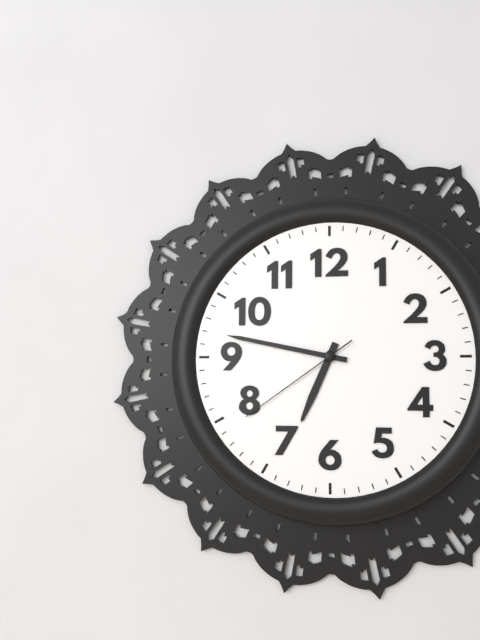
6:47:39
